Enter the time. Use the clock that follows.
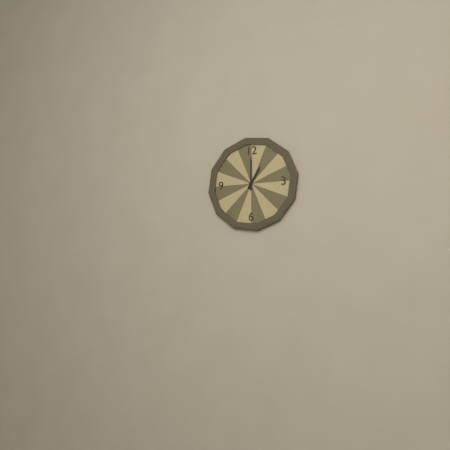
1:00
